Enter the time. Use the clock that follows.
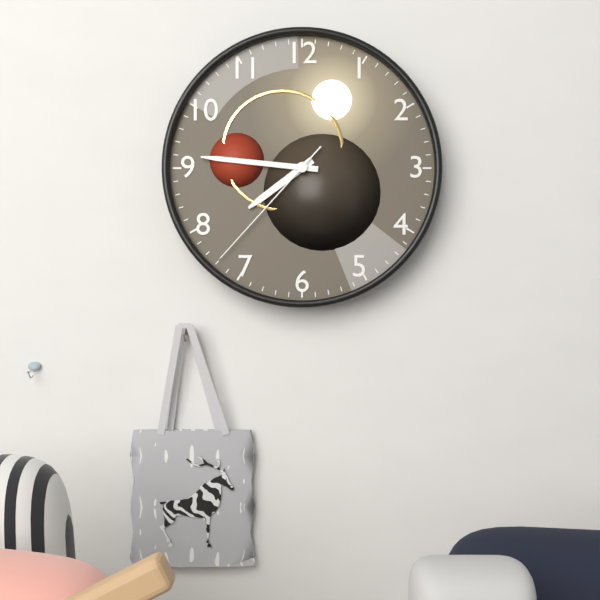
7:46:37
